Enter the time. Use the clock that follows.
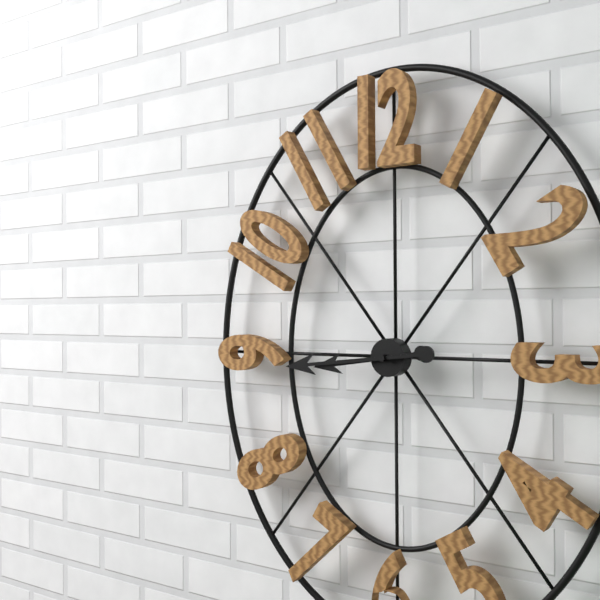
8:44
